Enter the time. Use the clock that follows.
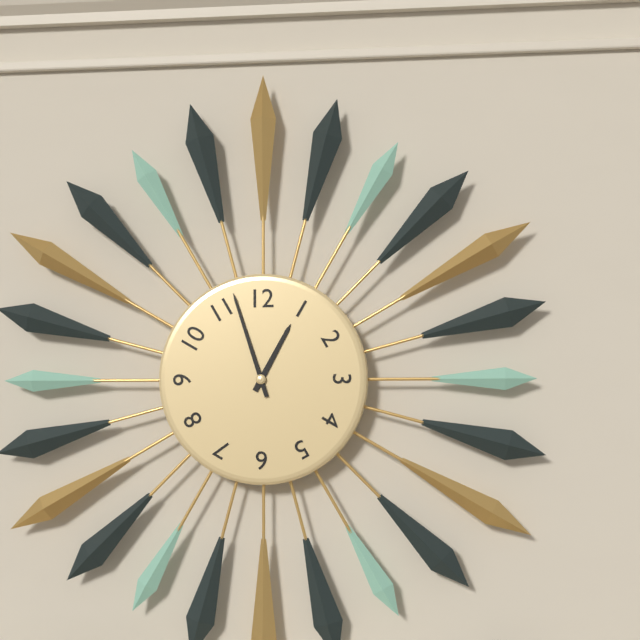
12:57
